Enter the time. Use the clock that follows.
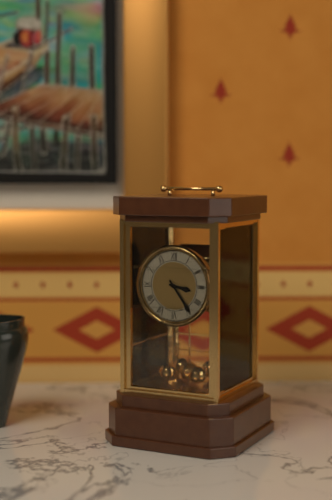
3:24
